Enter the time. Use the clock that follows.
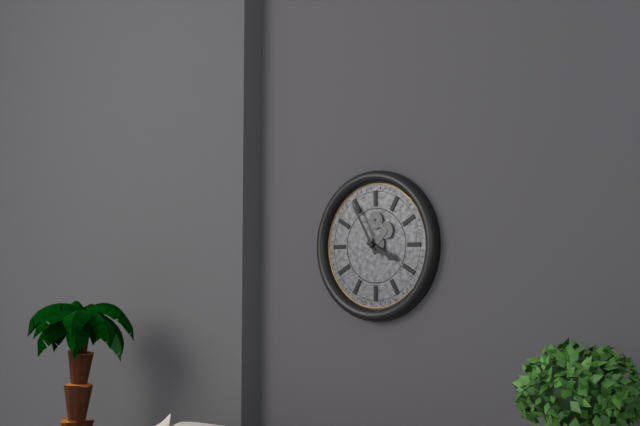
3:55
